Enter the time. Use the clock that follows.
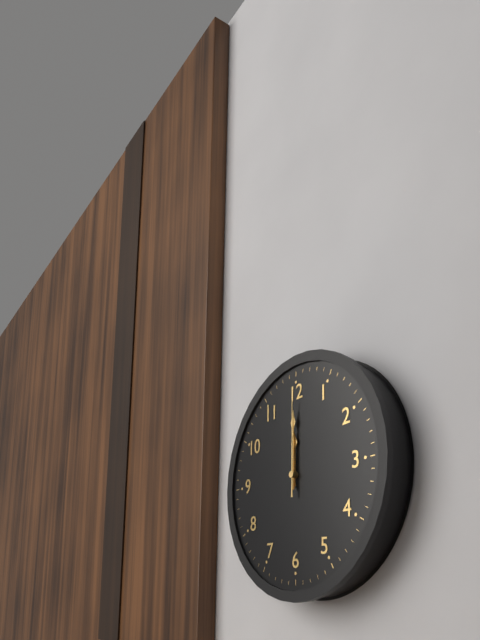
12:00:00
